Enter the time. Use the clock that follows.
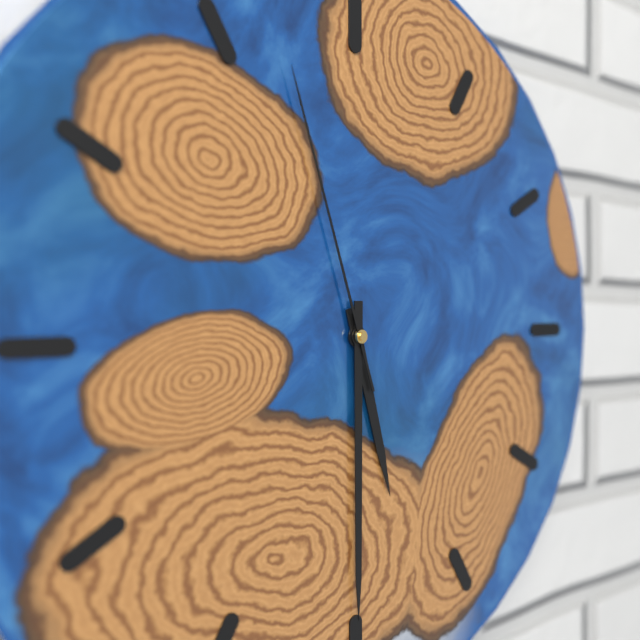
5:30:57
